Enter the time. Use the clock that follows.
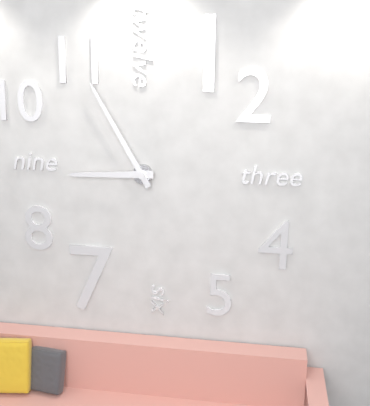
8:55
